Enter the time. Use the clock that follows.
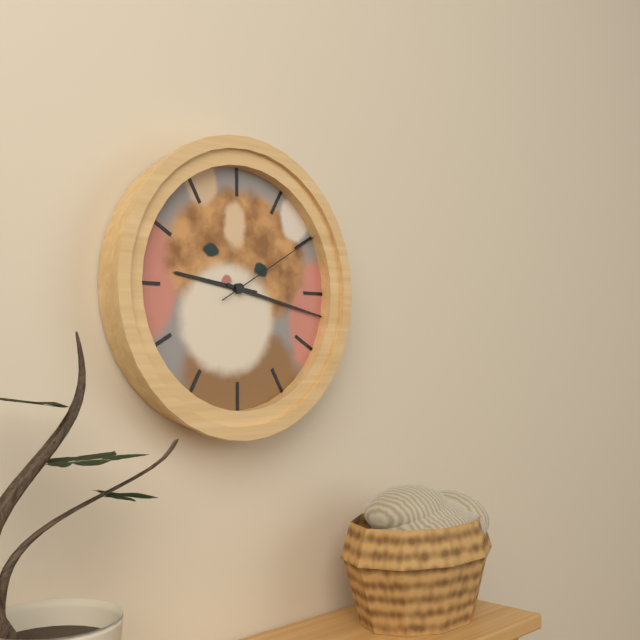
9:17:10
